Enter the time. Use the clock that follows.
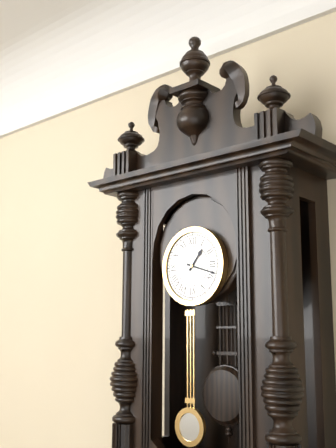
1:18
